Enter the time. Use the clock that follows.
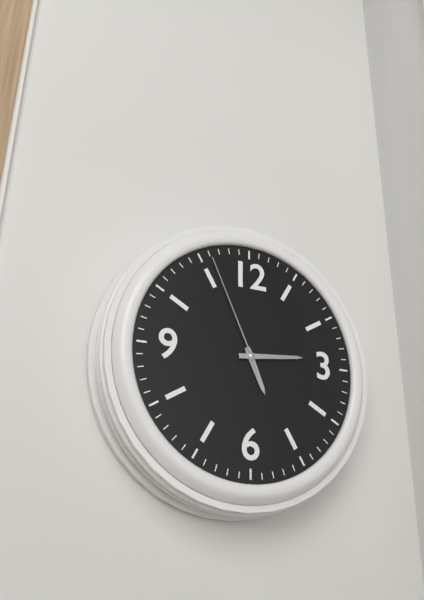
5:14:56
